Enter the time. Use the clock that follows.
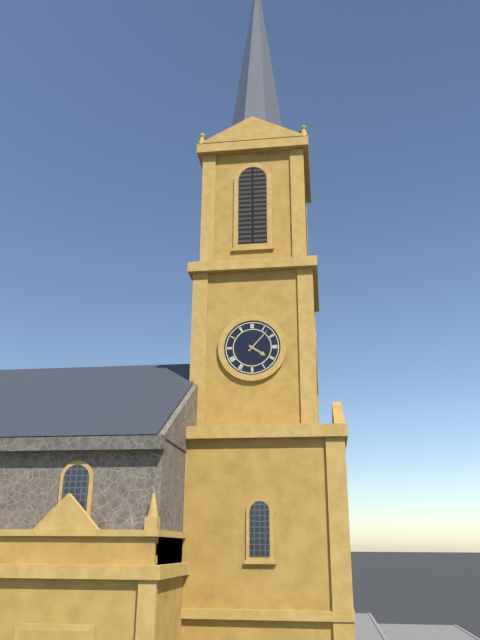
4:07
